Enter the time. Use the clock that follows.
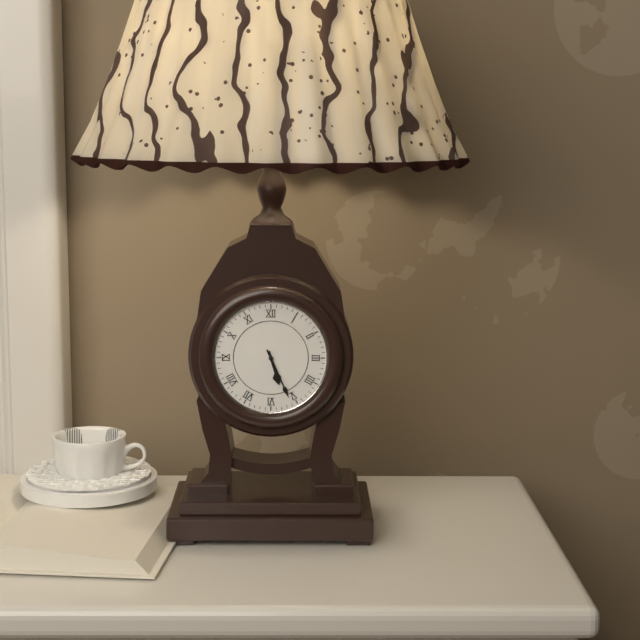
5:26
